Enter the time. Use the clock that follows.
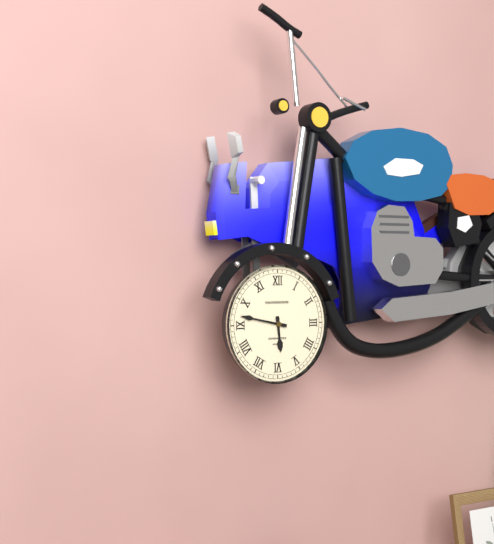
5:47
